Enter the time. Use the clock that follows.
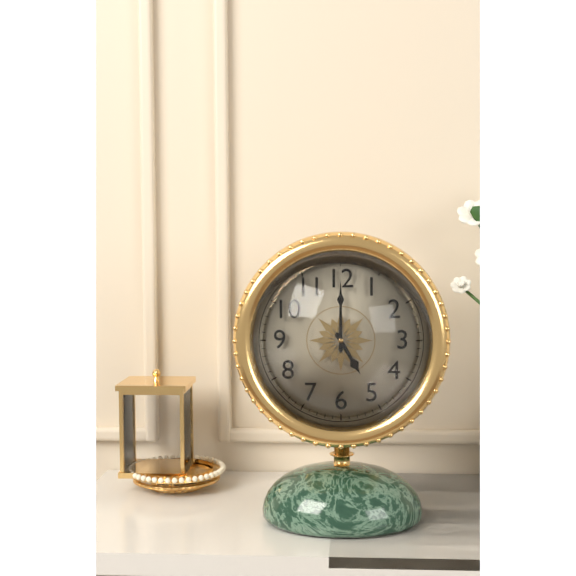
5:00
